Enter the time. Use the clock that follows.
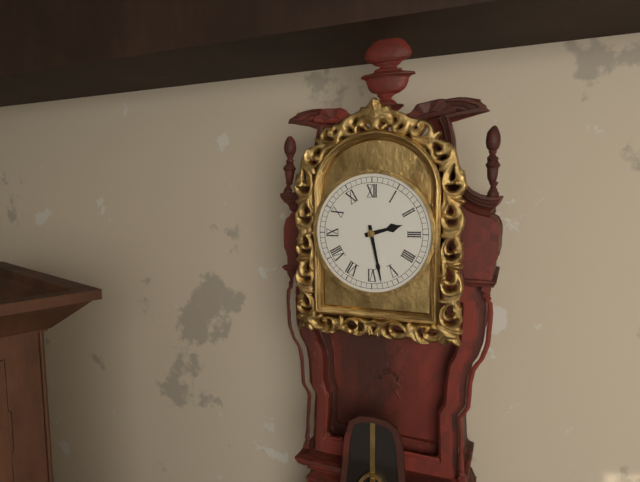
2:28
